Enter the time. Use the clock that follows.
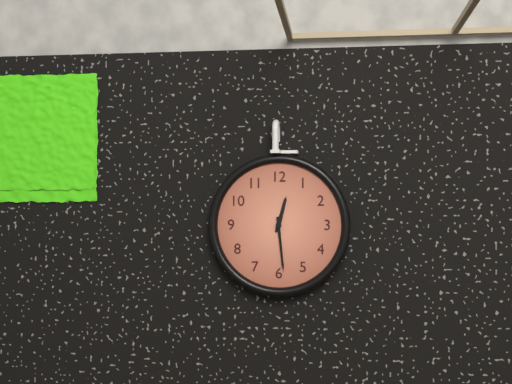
12:29
